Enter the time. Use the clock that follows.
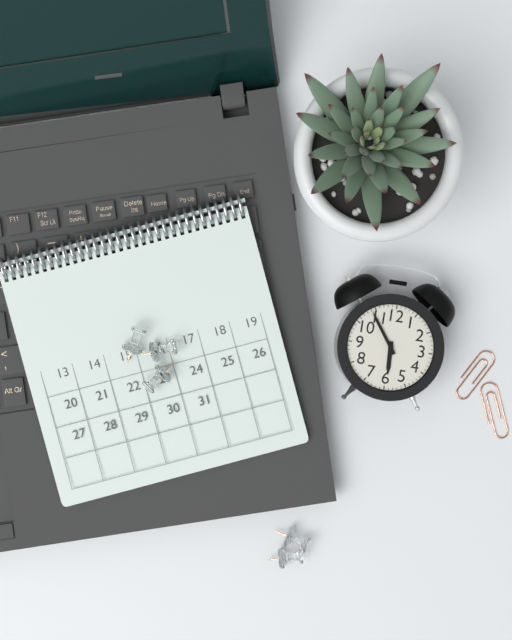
5:54
